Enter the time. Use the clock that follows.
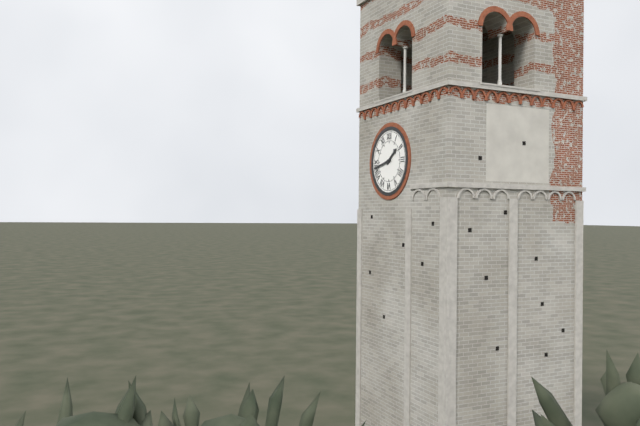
1:43
